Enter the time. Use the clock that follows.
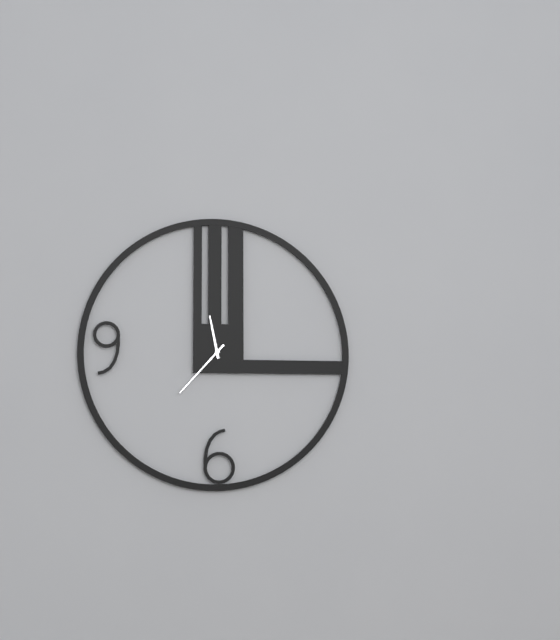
11:37
